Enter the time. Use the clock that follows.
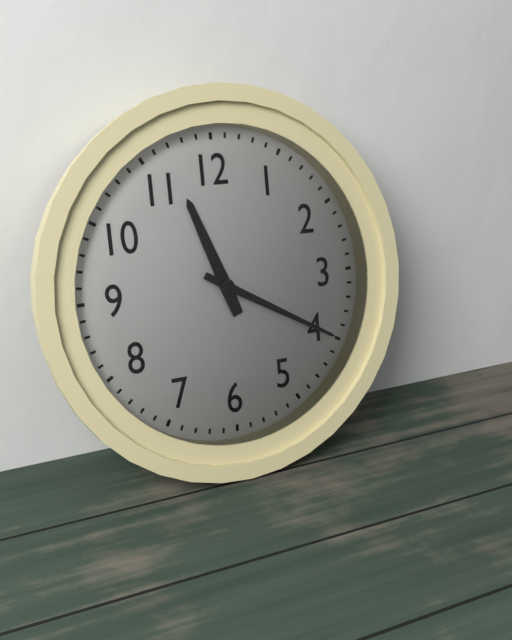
11:20
